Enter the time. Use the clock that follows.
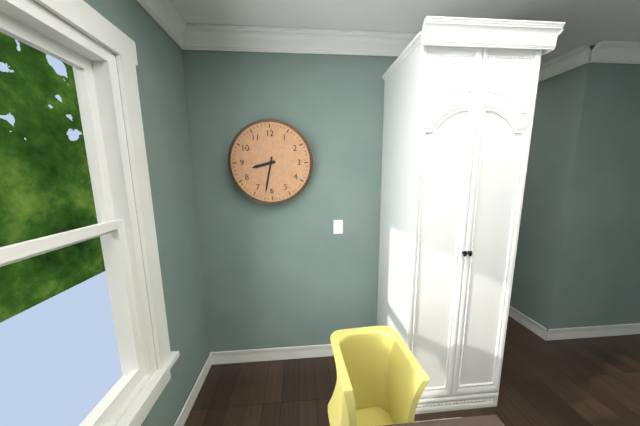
8:32
